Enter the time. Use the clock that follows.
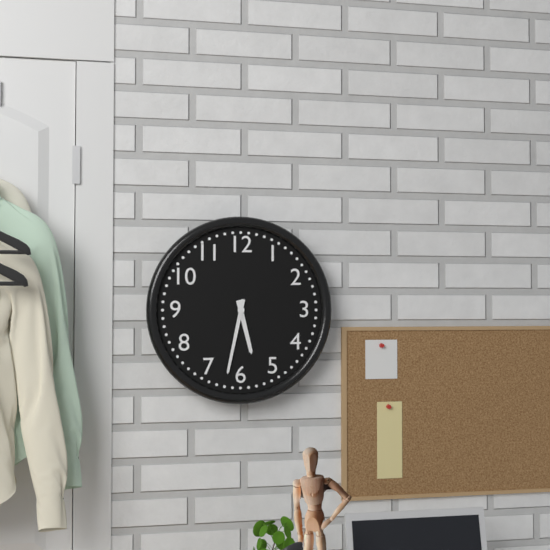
5:32
